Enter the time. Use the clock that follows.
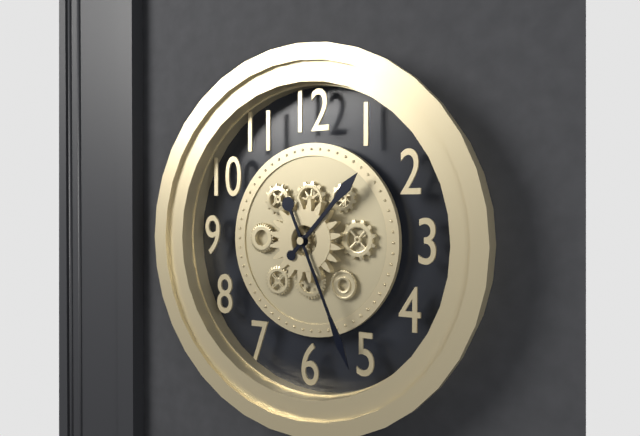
1:26
